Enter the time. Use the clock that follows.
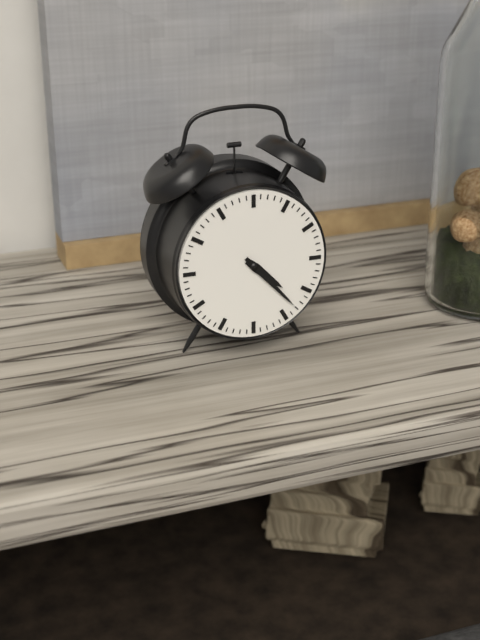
4:23
